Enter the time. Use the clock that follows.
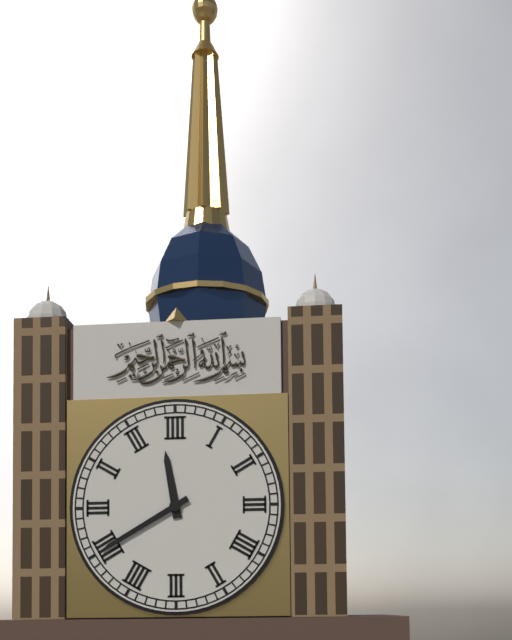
11:40
